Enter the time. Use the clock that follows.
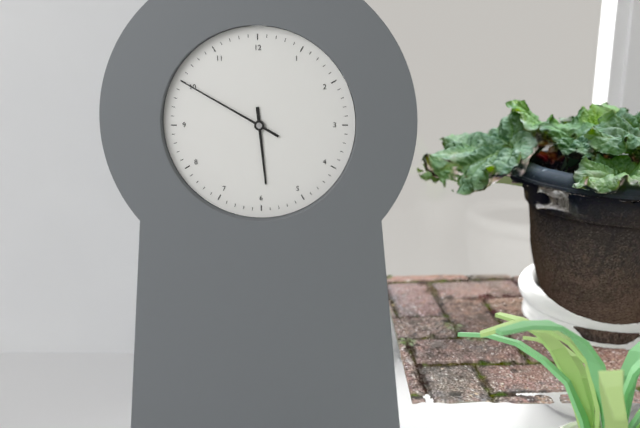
5:50
